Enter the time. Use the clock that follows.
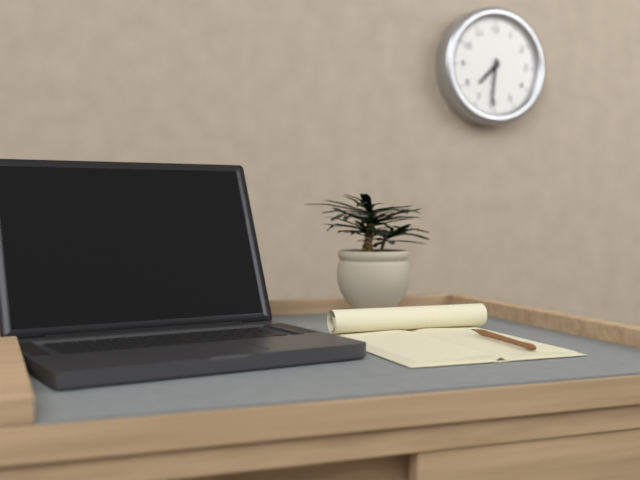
7:31
